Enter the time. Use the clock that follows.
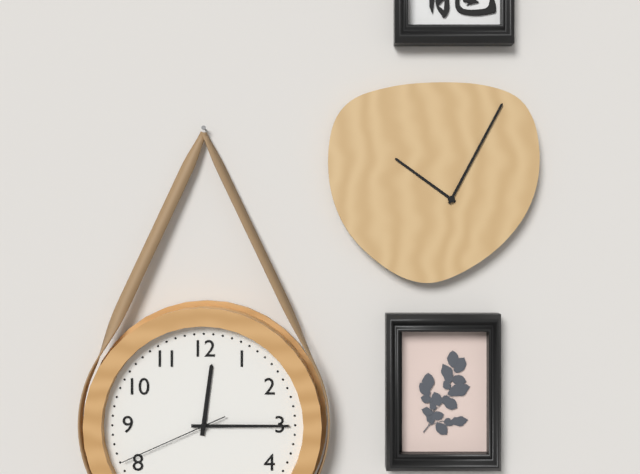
12:15:41
